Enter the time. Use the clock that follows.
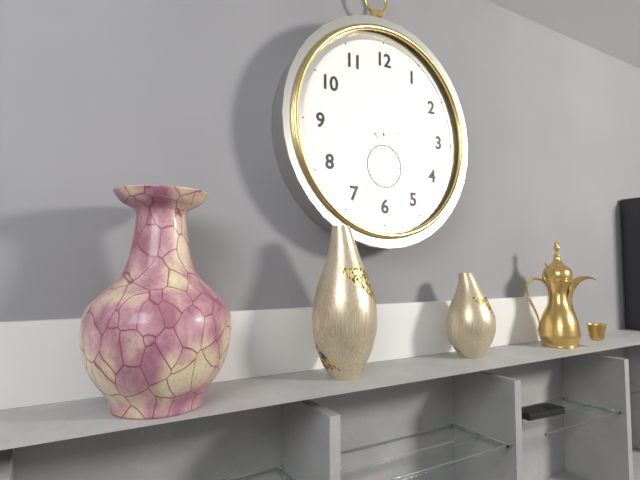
2:13
